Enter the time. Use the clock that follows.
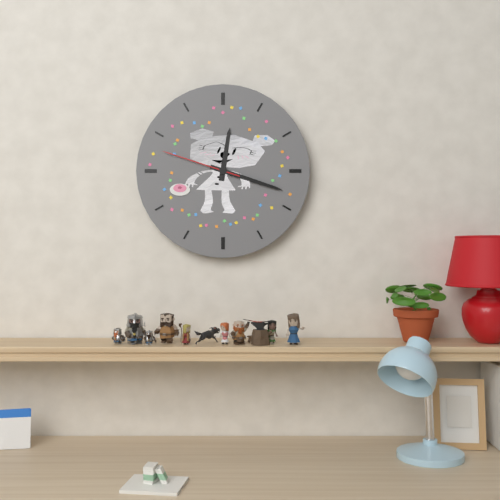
12:18:48
